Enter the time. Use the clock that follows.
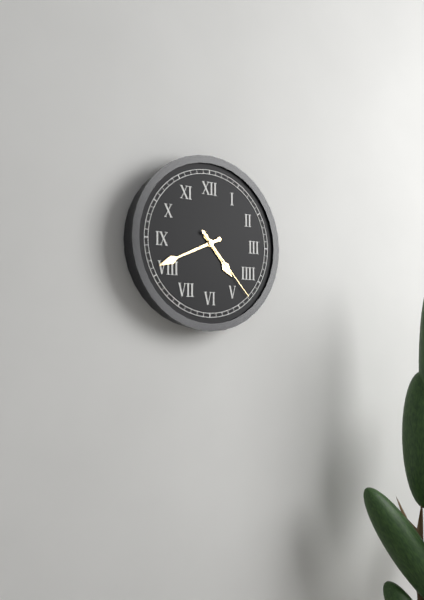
4:41:23
